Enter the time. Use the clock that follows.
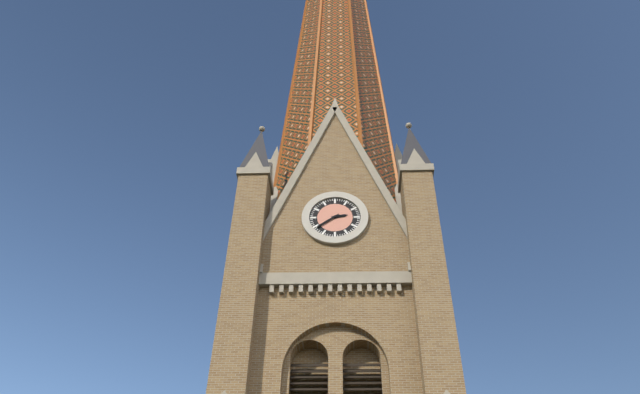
2:39
